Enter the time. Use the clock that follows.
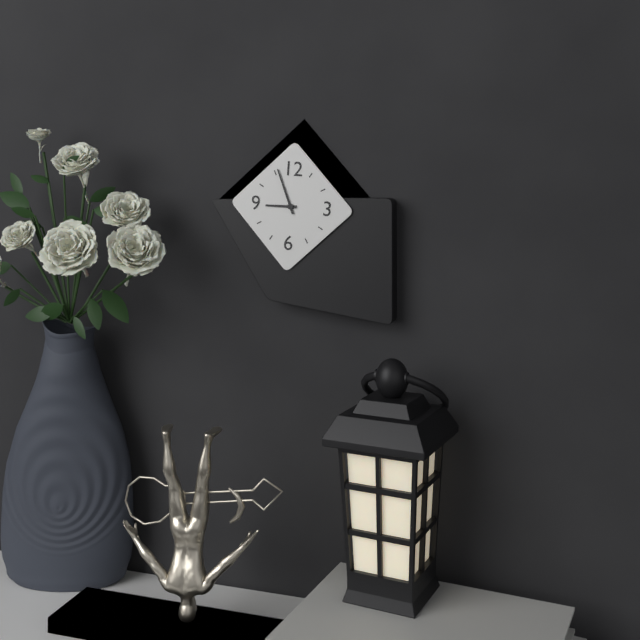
8:56
